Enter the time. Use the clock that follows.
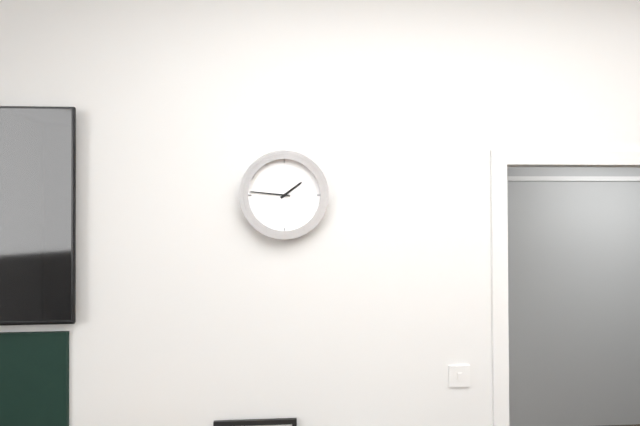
1:46
